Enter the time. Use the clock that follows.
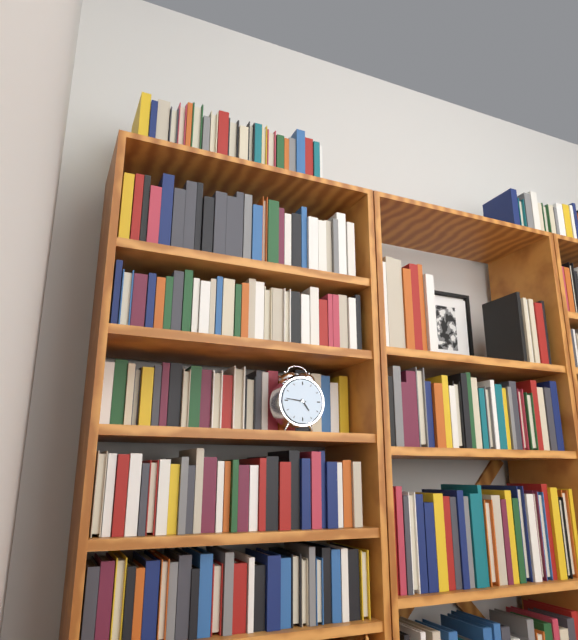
4:46
